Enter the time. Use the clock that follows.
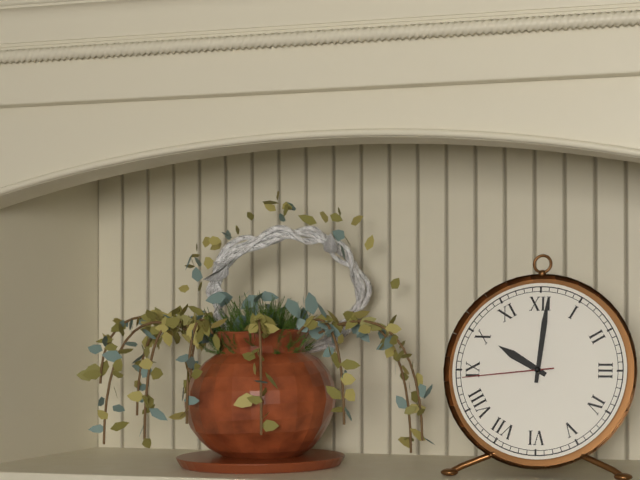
10:01:44
